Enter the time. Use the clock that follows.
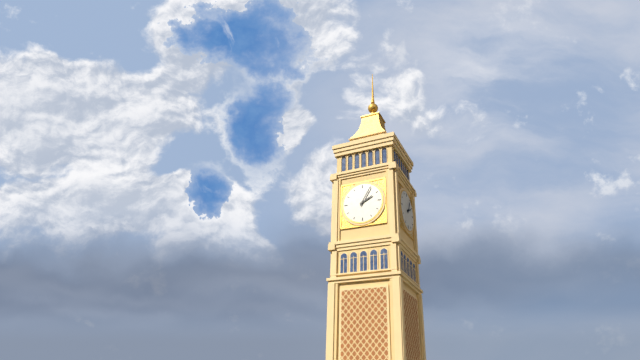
2:05
